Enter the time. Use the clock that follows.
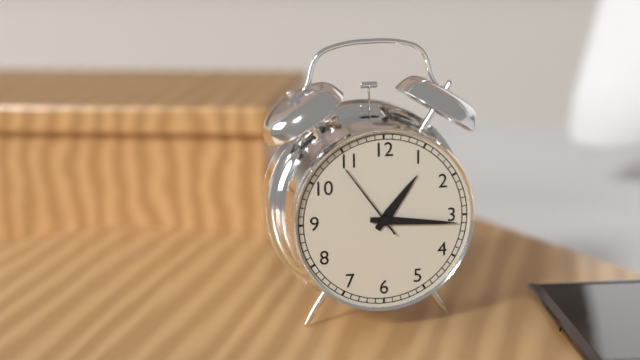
1:16:54
